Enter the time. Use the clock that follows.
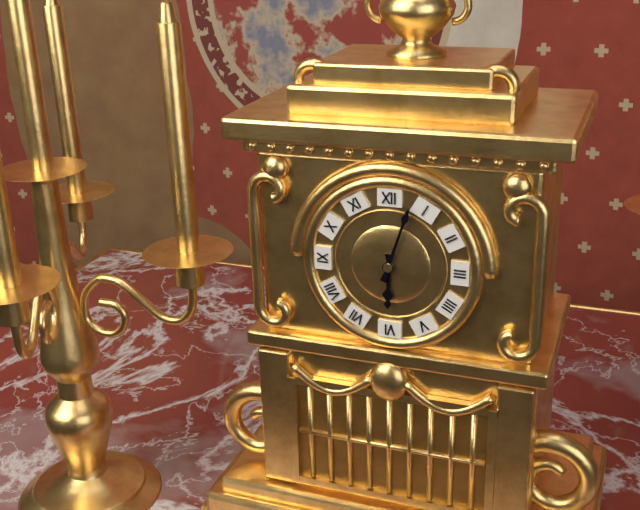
6:03
